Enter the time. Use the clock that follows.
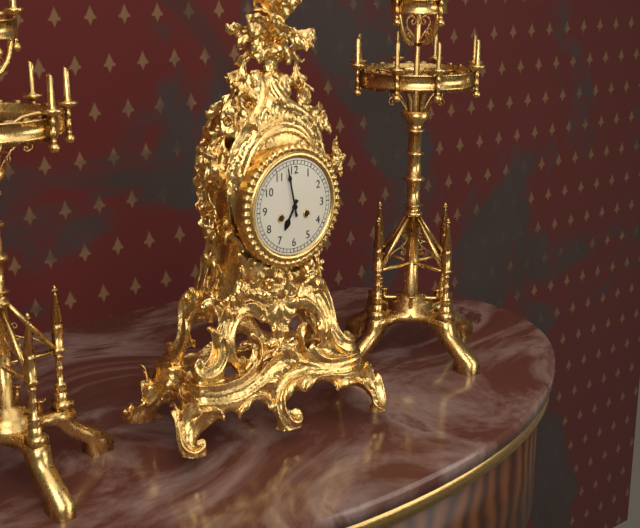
6:58
